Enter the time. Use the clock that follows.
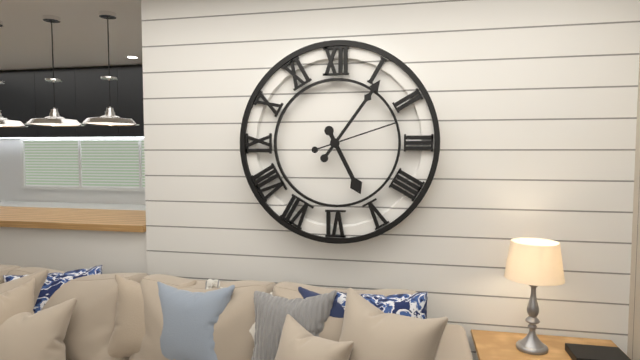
5:06:12
